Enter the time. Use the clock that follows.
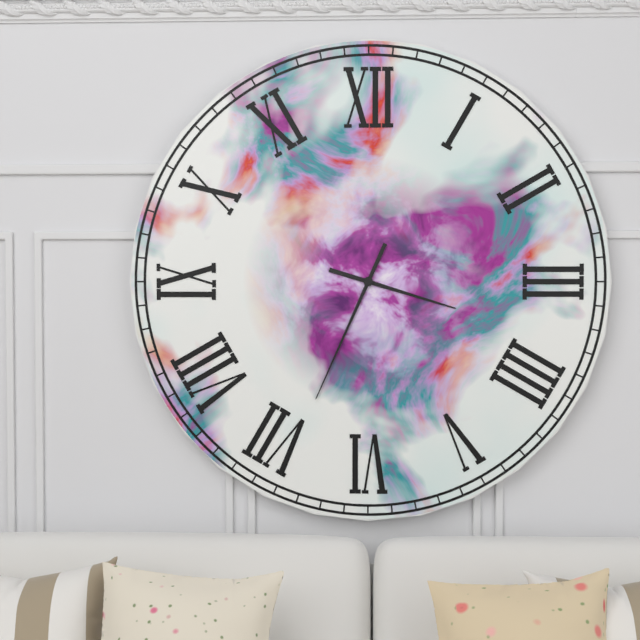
3:34
